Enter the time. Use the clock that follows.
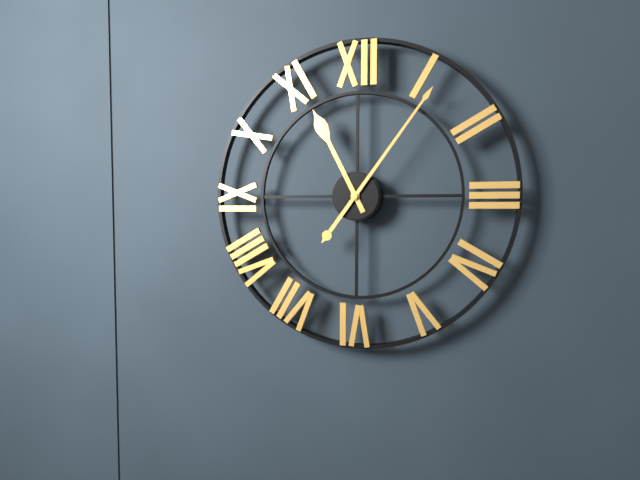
11:06
